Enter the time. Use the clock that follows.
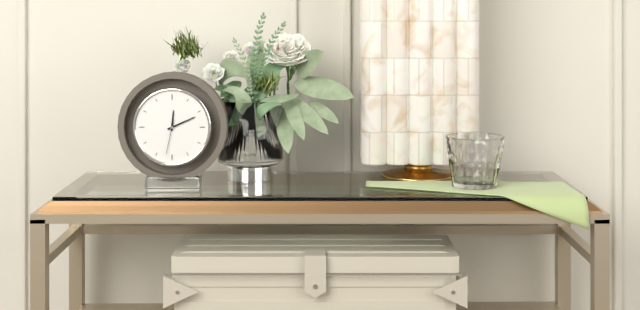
12:11
